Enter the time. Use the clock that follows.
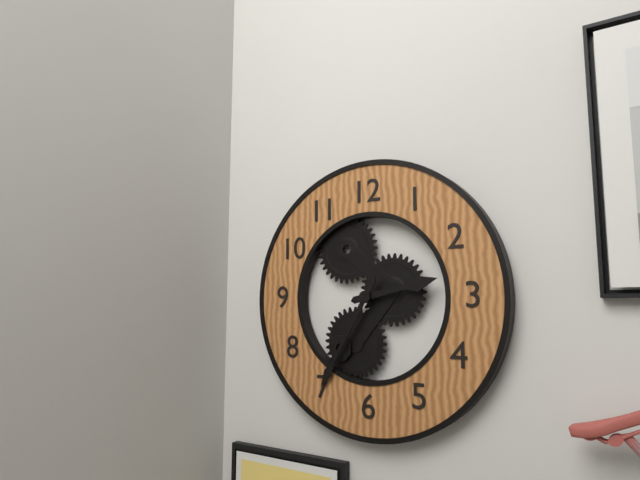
2:35
